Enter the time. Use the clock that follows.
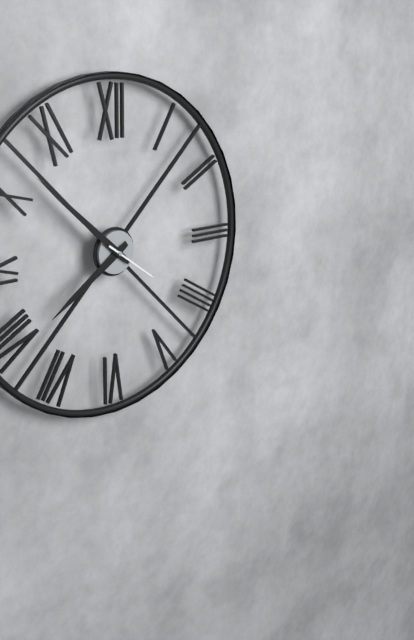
7:52:21
